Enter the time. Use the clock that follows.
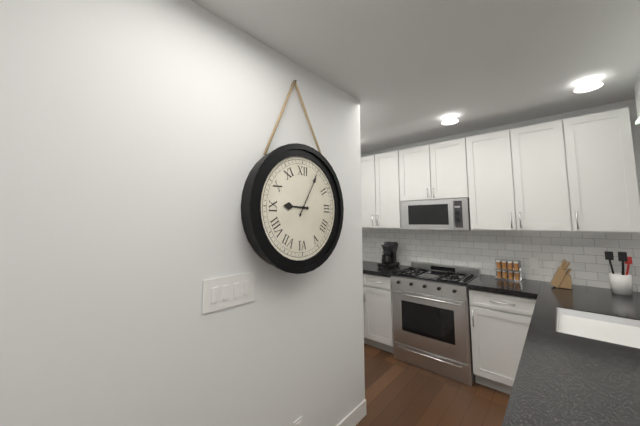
9:05
